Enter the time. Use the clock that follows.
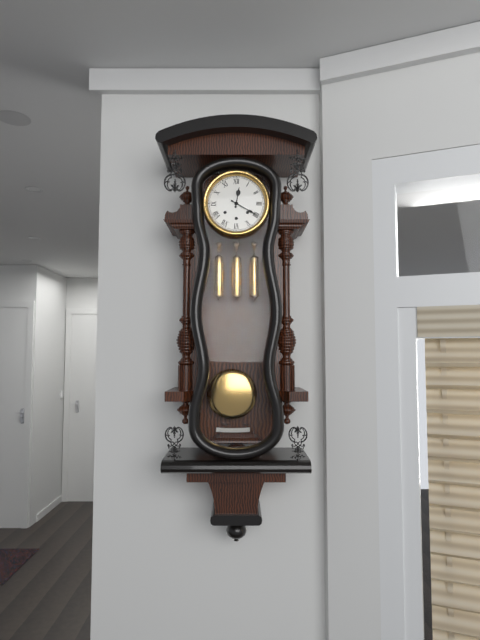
12:20
